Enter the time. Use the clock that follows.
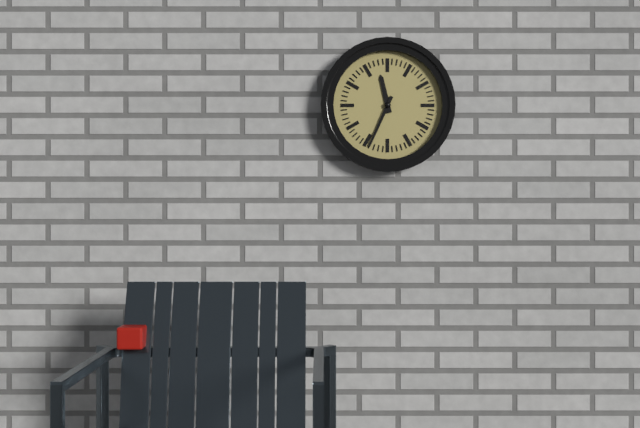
11:34
